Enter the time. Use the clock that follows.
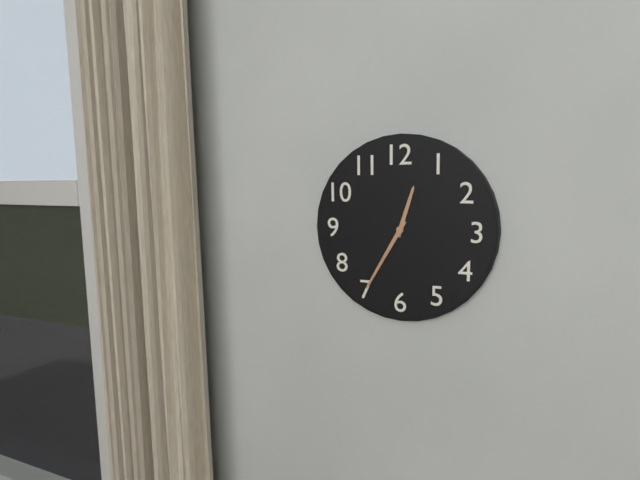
12:35
